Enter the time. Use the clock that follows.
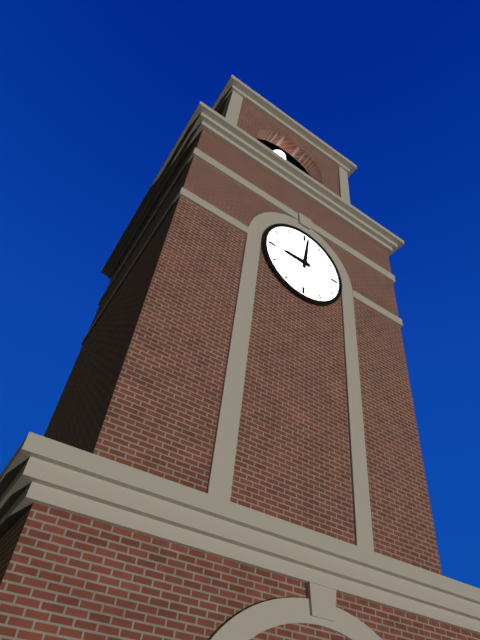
9:01
